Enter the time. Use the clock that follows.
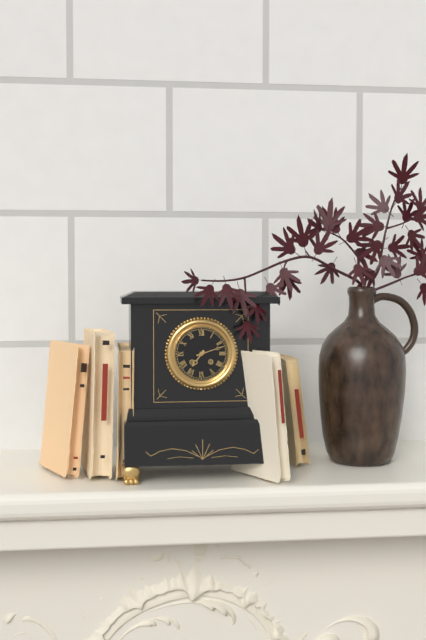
7:12
